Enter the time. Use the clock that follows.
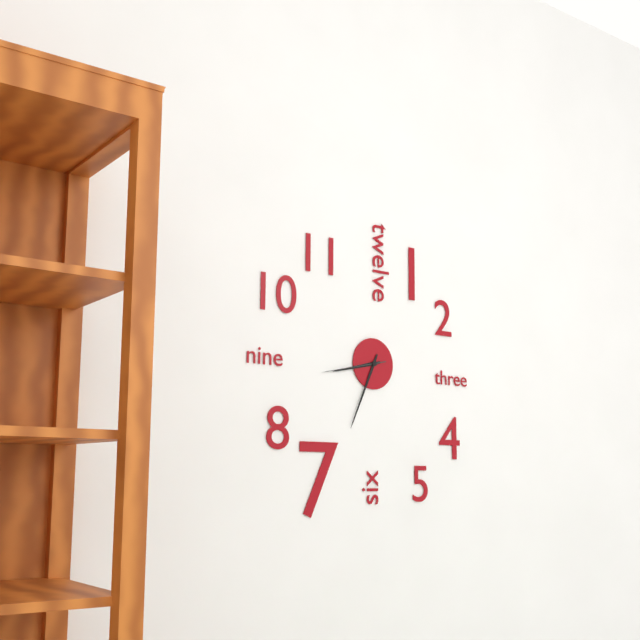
8:34:43
